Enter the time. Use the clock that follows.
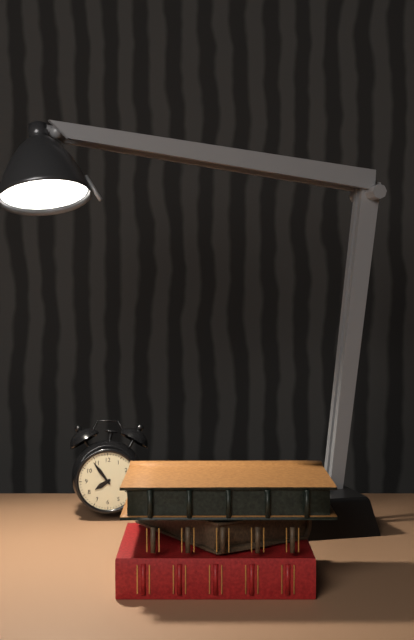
7:54
